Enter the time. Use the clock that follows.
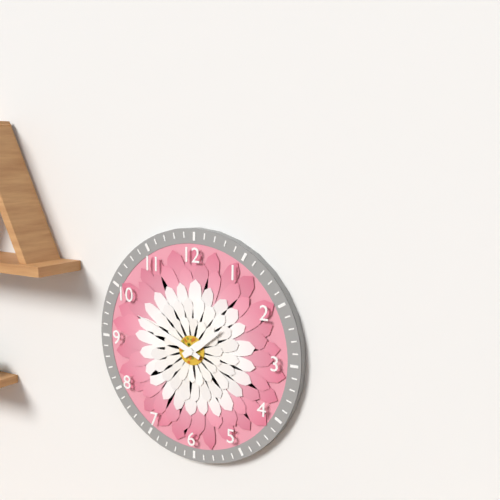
1:49
